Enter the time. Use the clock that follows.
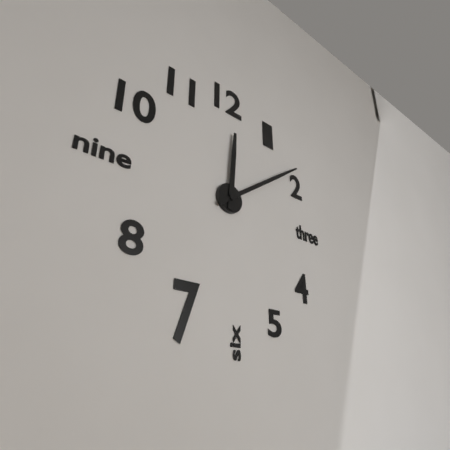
12:09
